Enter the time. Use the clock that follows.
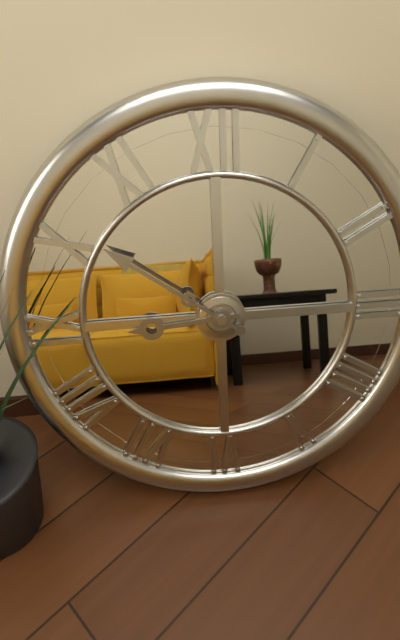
8:51
